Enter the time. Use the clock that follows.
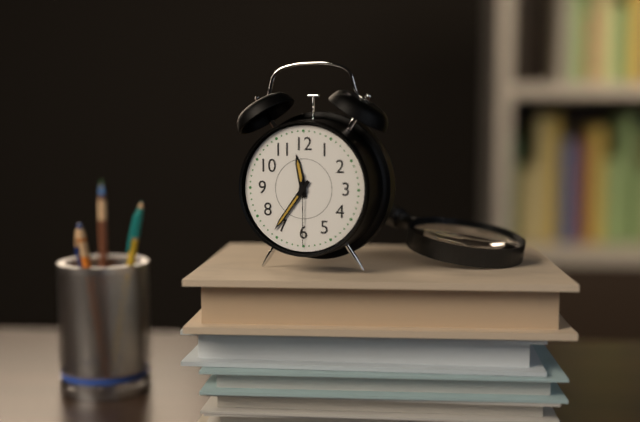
11:36:30
